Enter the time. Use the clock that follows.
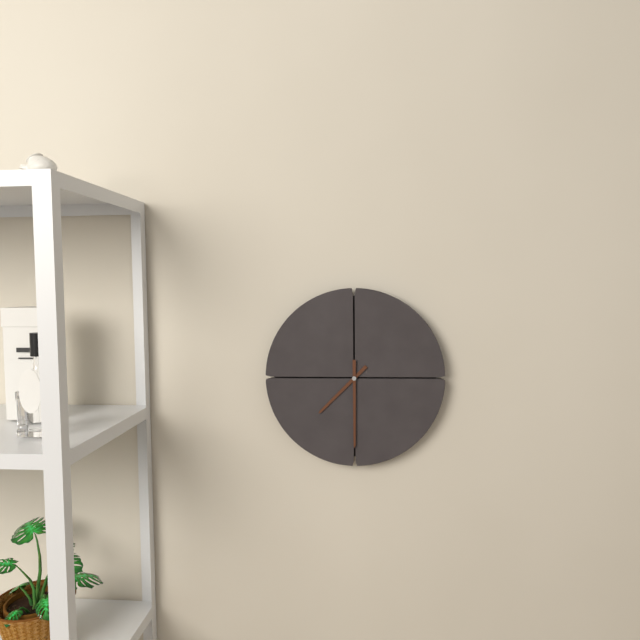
7:30
